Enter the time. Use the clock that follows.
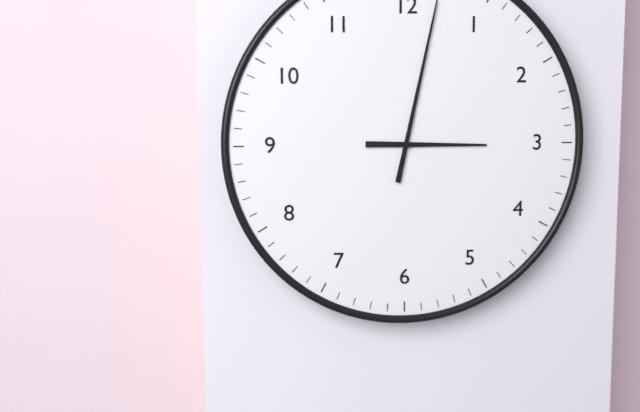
3:02
